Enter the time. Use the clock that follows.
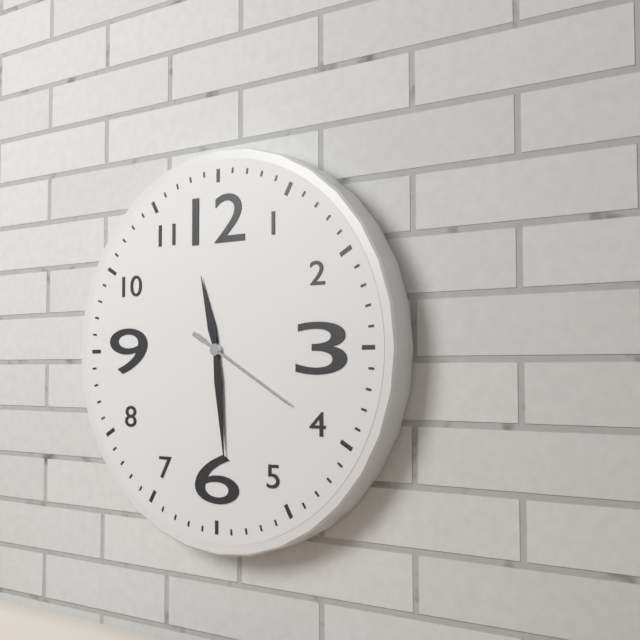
11:29:20
